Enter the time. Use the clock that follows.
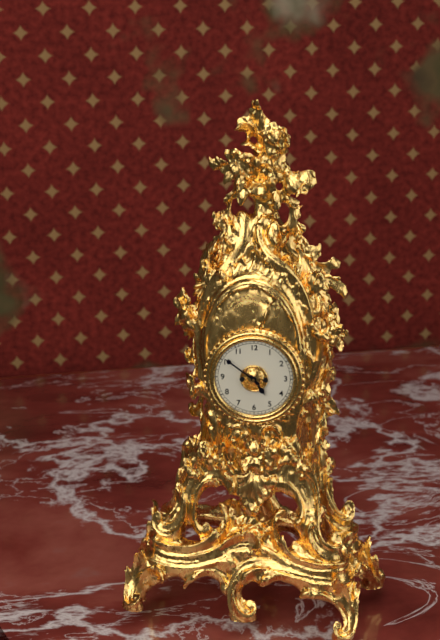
4:51
